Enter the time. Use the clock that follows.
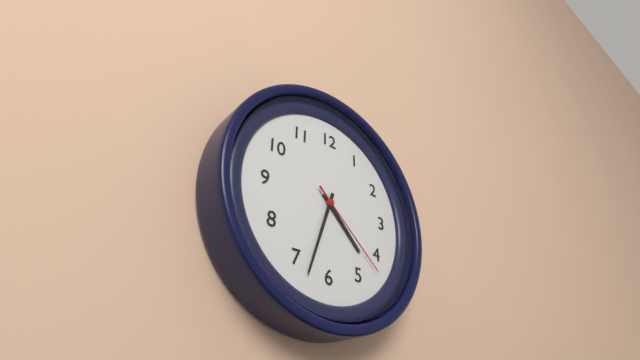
4:33:22
